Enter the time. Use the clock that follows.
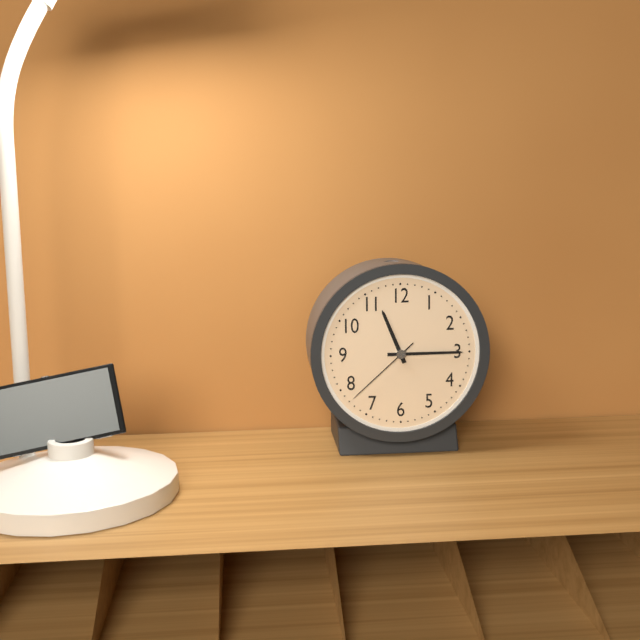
11:15:38
